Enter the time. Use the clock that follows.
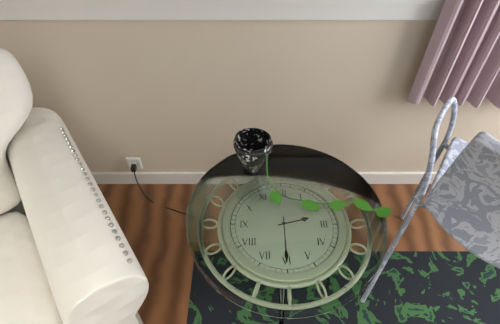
2:30
